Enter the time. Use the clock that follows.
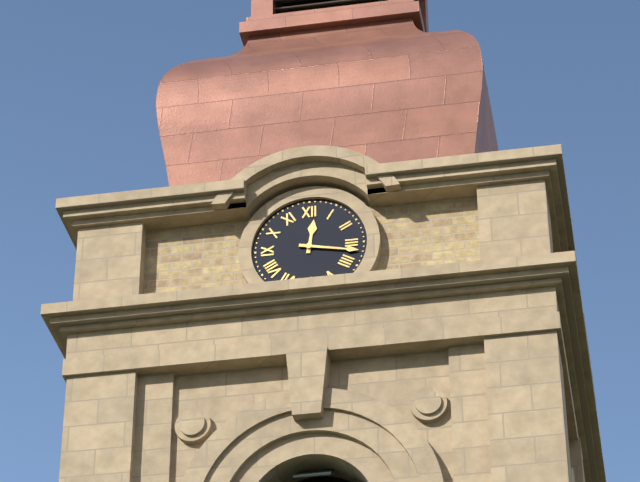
12:17
